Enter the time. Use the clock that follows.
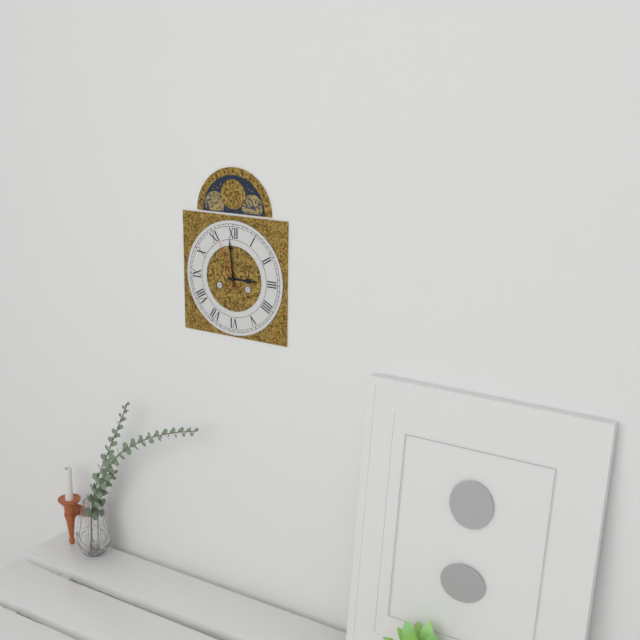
2:59
